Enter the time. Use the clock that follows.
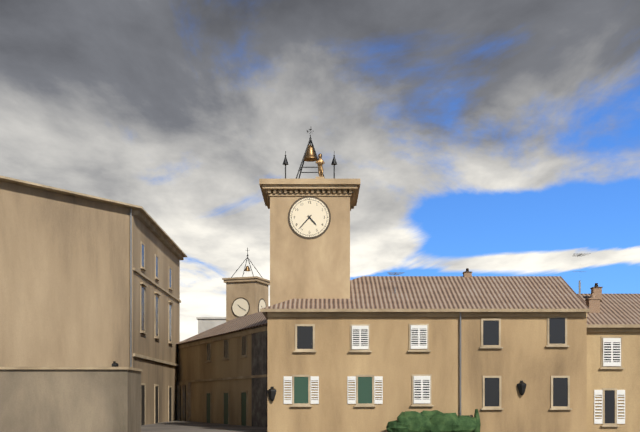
4:37
